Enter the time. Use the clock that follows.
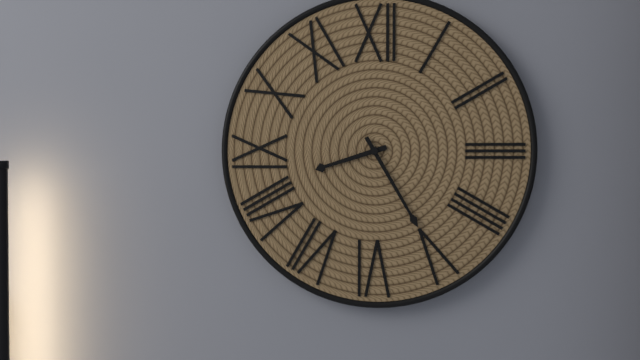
8:25
